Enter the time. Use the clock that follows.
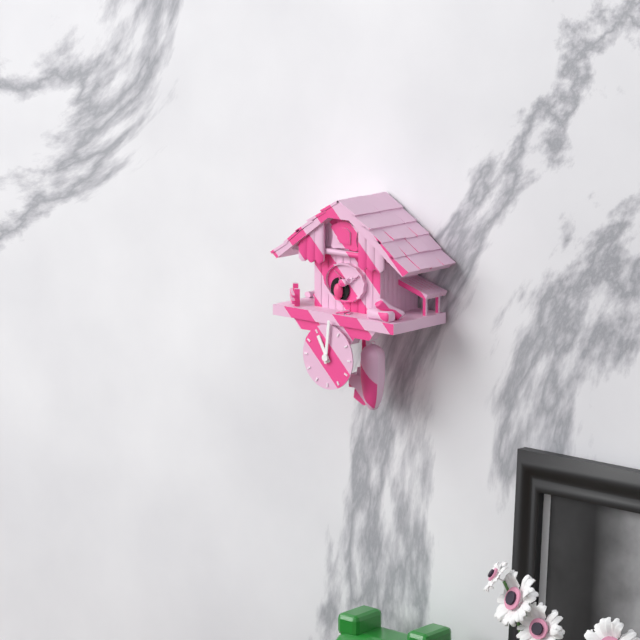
11:01
